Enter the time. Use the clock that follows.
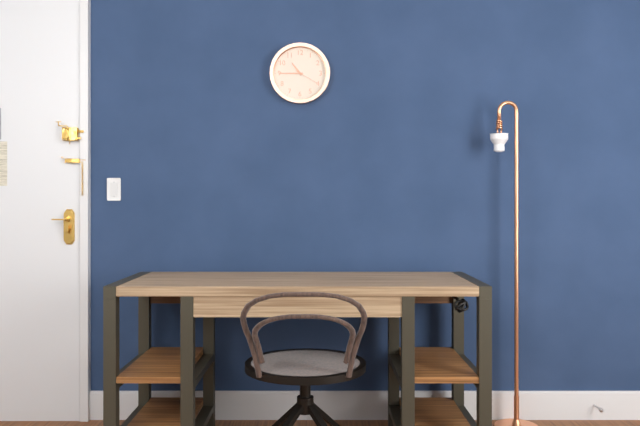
10:45
